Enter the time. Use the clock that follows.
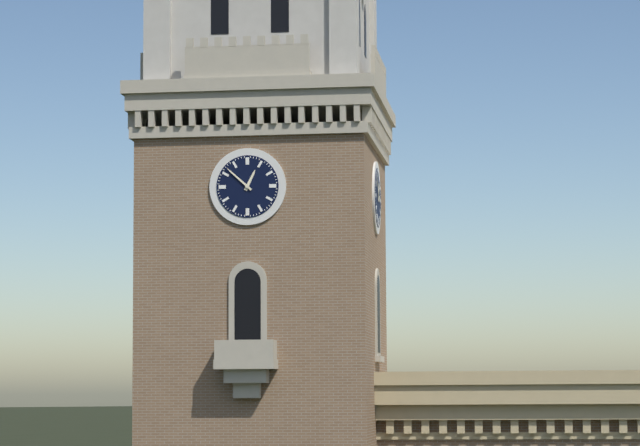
12:52
